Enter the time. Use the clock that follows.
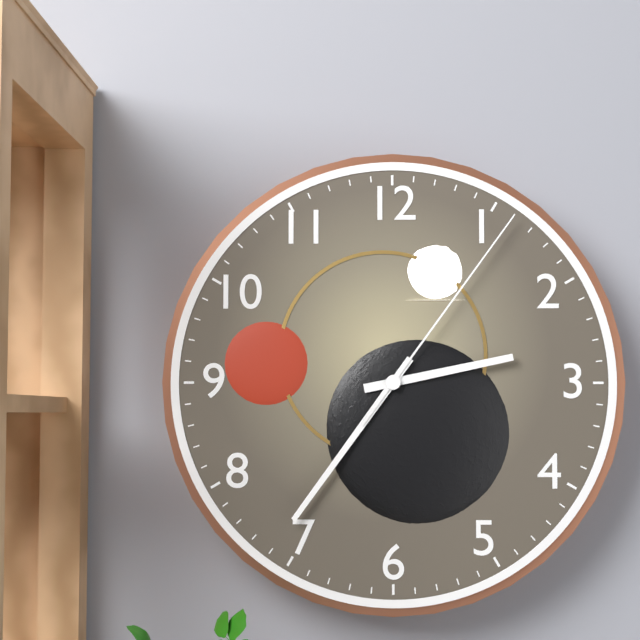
2:36:06
